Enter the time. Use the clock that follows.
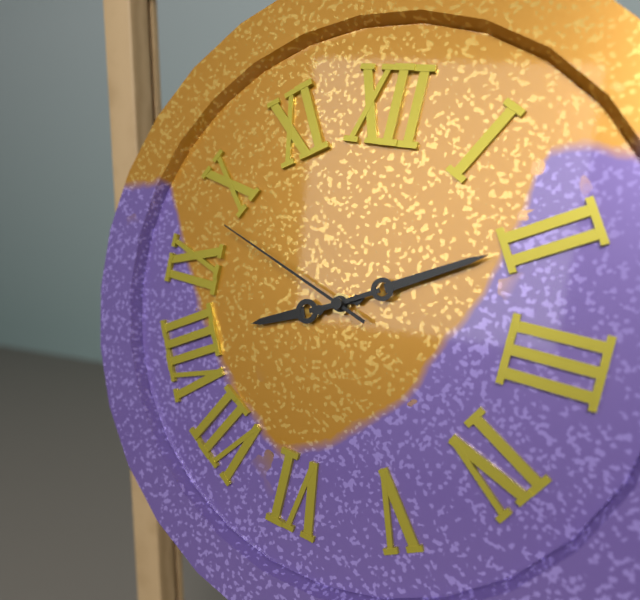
8:10:48
